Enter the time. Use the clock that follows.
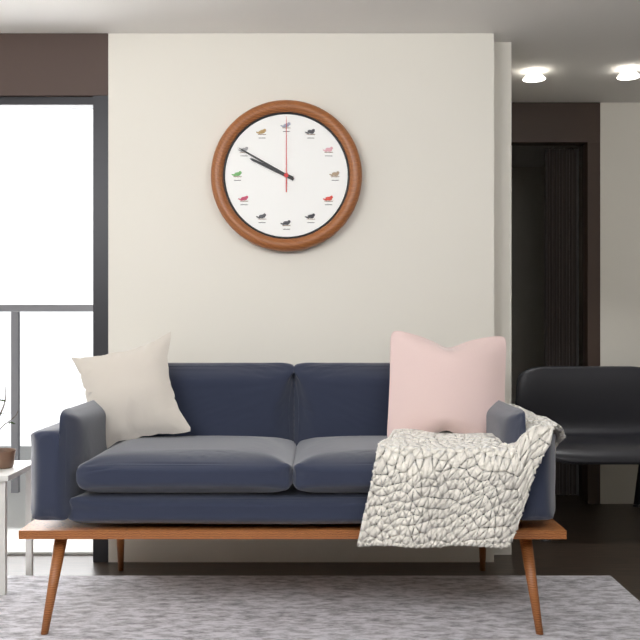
9:50:00
